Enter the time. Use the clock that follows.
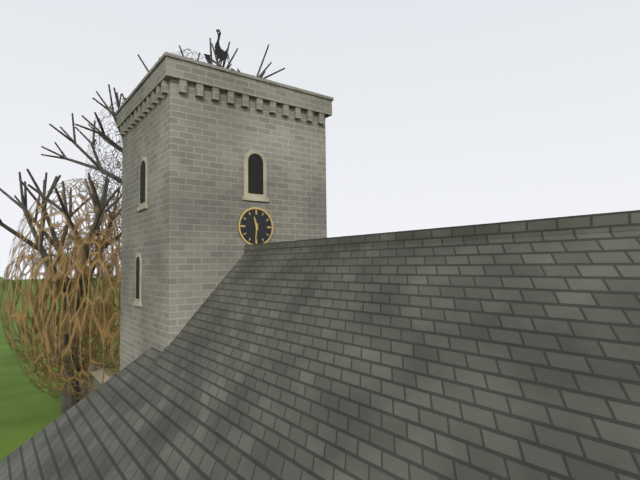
11:31
